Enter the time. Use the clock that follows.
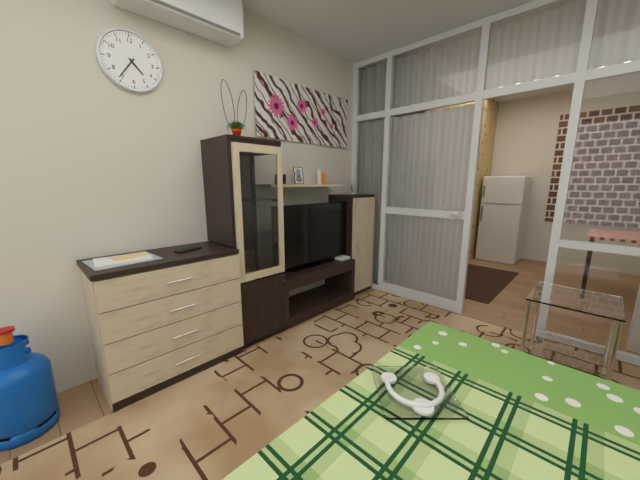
4:36
